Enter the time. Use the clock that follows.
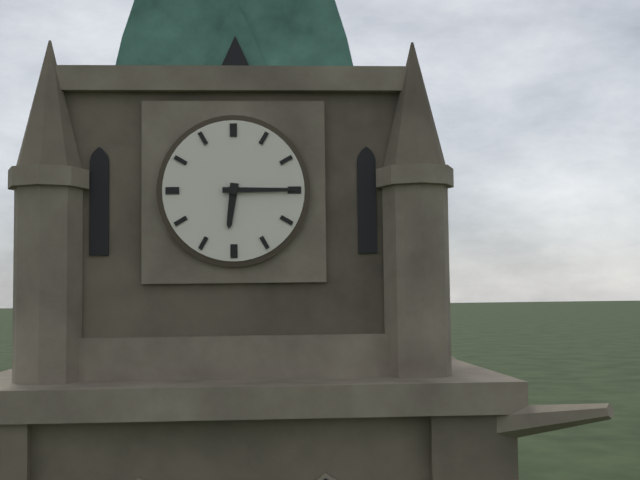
6:15
